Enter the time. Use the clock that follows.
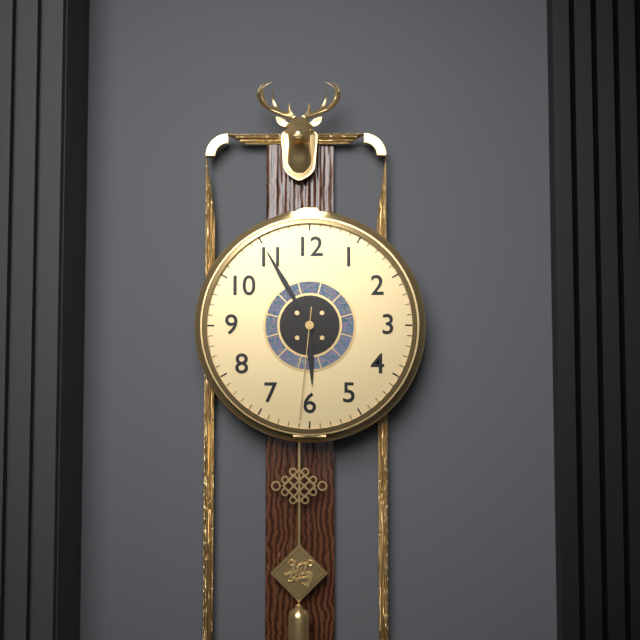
5:55:31
